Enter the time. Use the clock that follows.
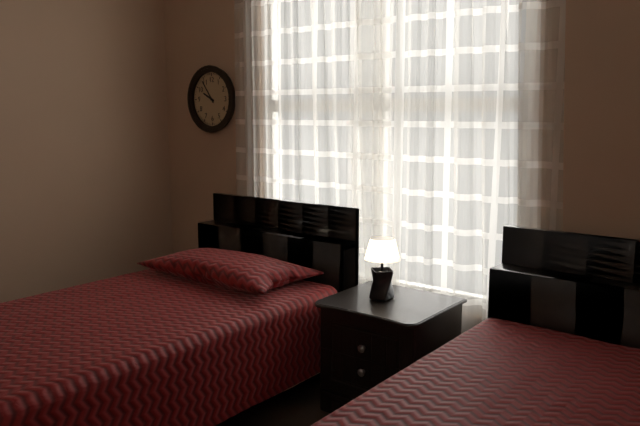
9:54
